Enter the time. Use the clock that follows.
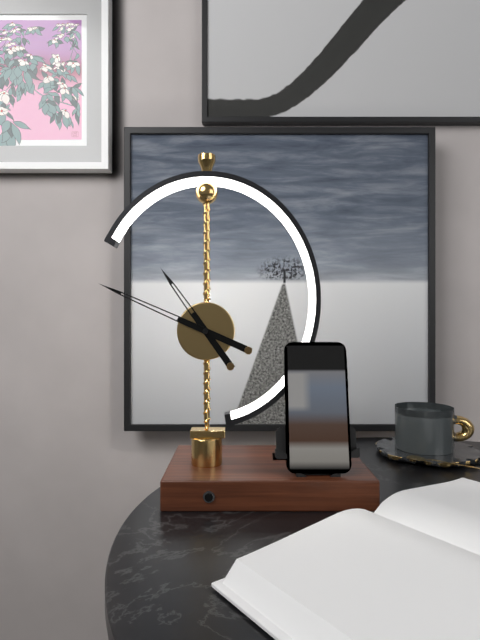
10:49
